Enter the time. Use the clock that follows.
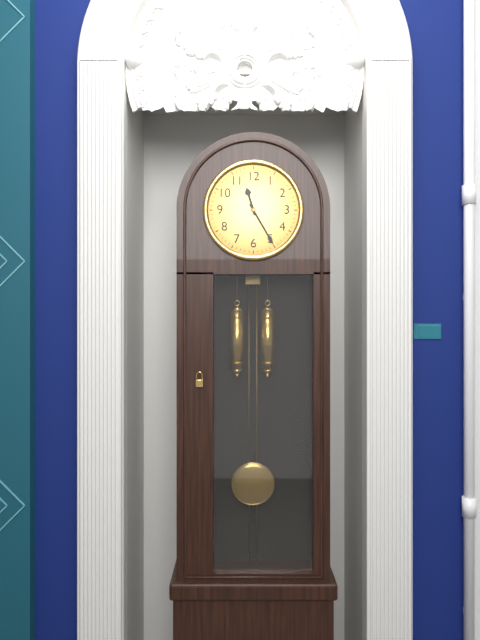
11:25
